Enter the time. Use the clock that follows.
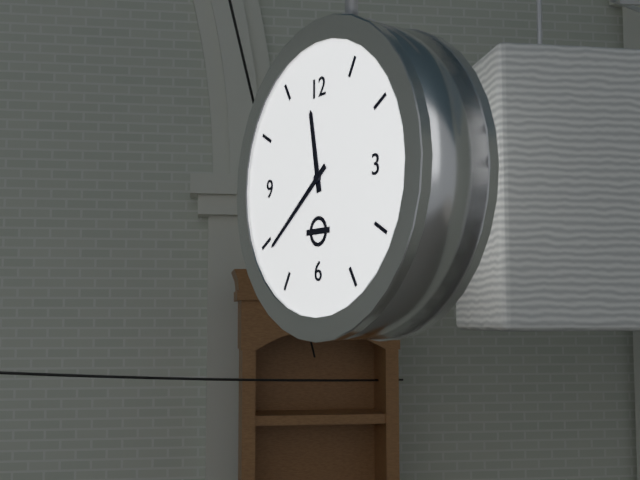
11:39
